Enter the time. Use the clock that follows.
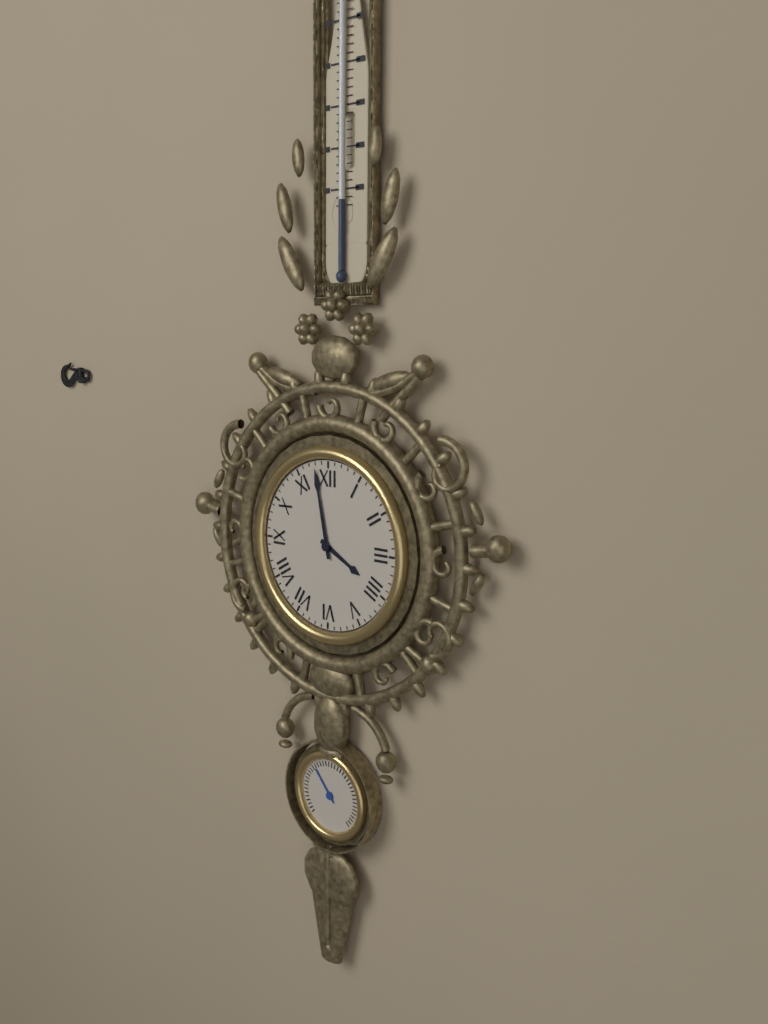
3:58
